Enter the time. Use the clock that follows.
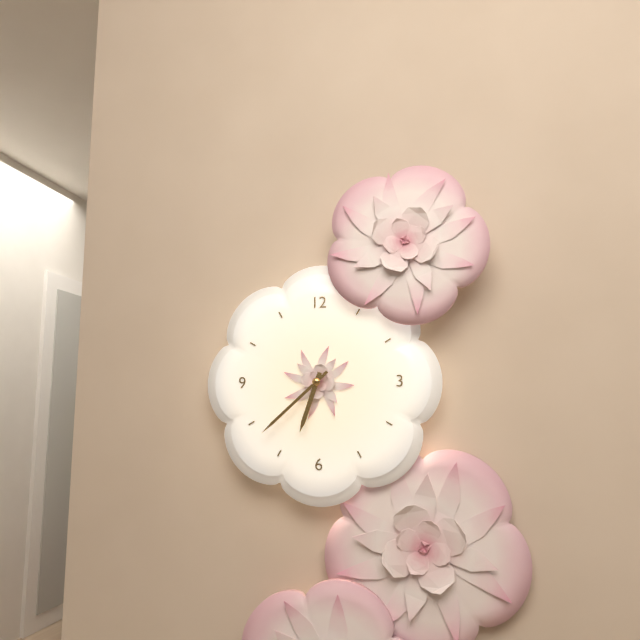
6:38
